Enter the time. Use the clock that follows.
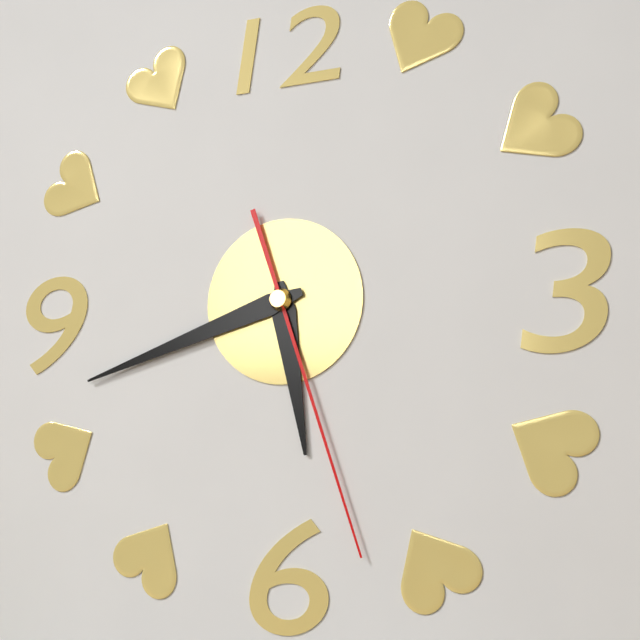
5:42:27
